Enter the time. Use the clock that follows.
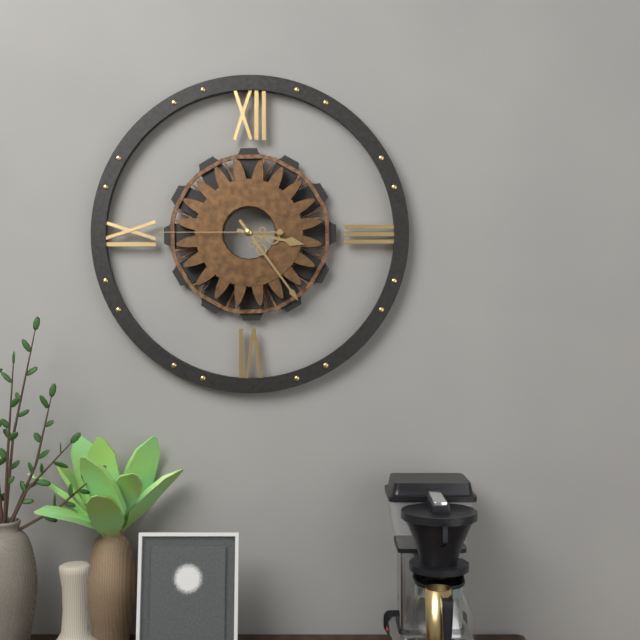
3:24:45
